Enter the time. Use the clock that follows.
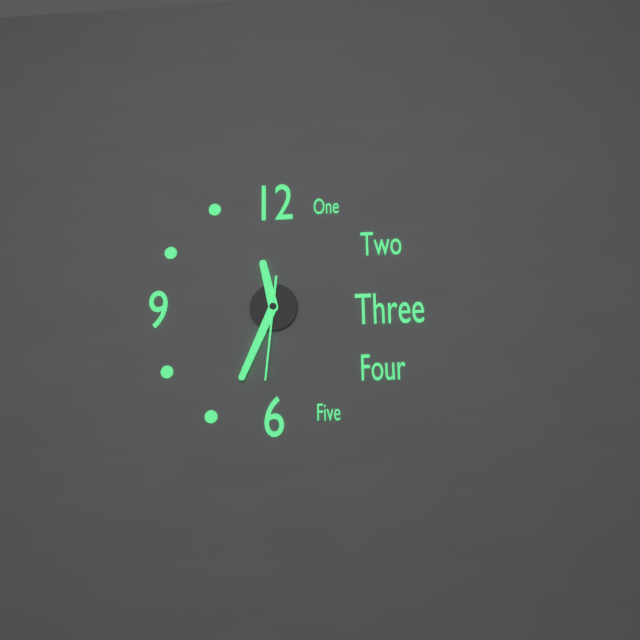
11:34:31
